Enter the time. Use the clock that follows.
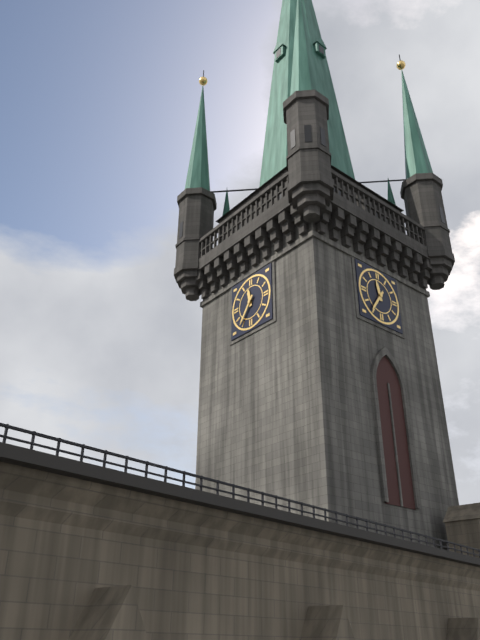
11:36
